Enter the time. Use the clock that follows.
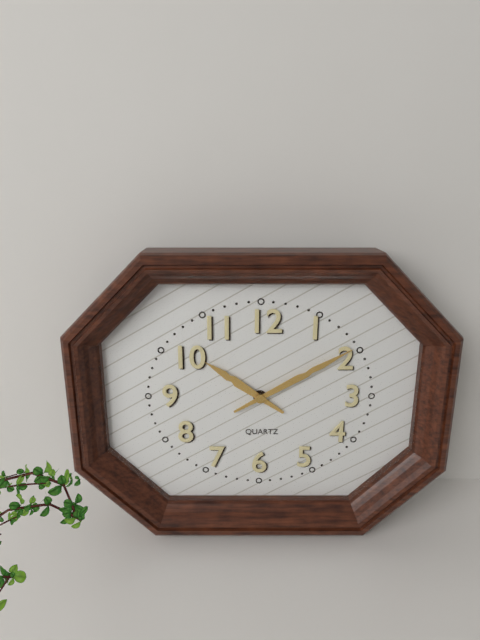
10:10
